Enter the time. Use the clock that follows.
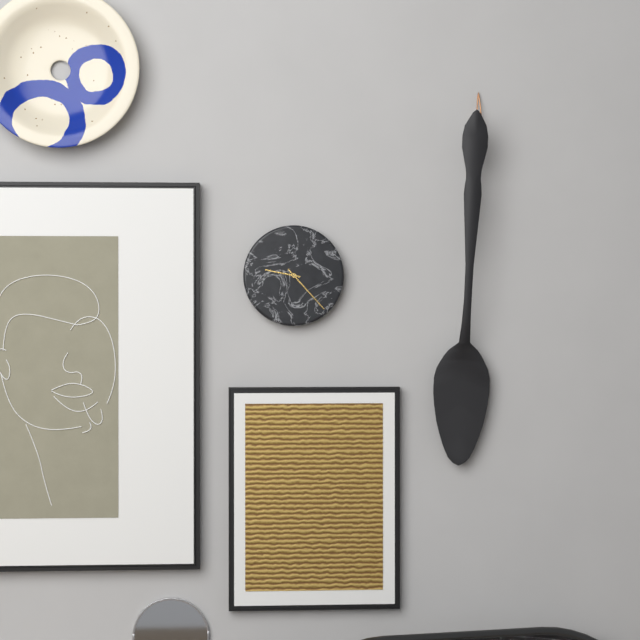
9:23
